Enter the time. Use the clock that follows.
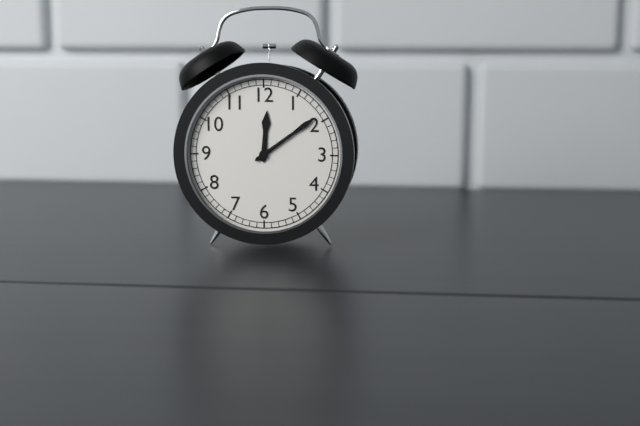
12:09
